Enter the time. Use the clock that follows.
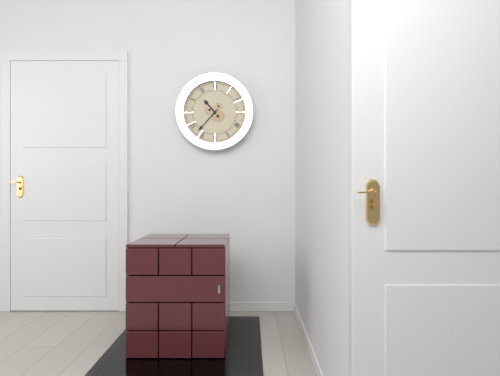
10:37
